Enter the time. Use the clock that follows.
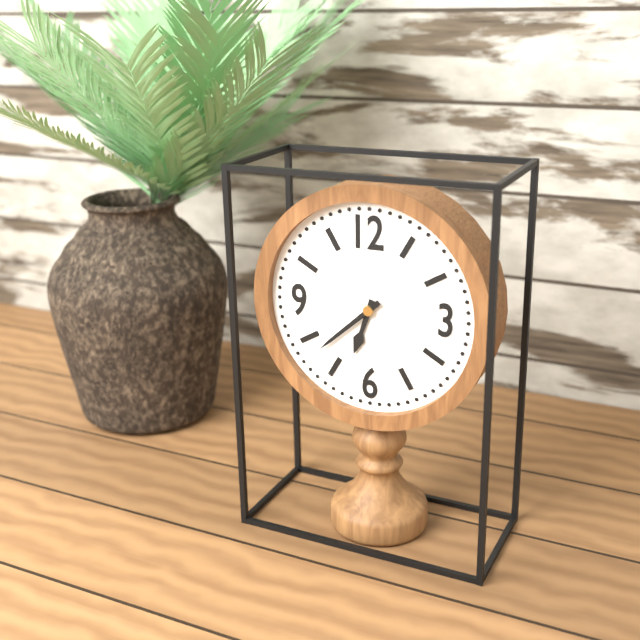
6:38
